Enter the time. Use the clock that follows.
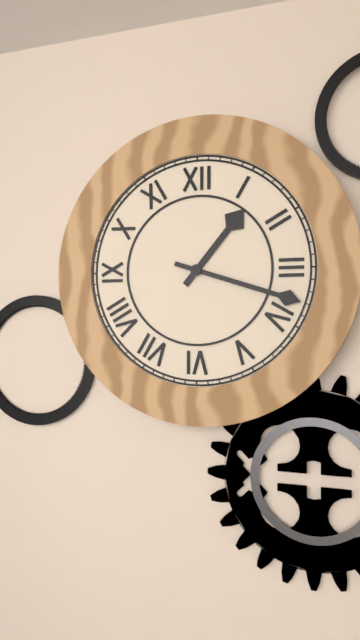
1:18
